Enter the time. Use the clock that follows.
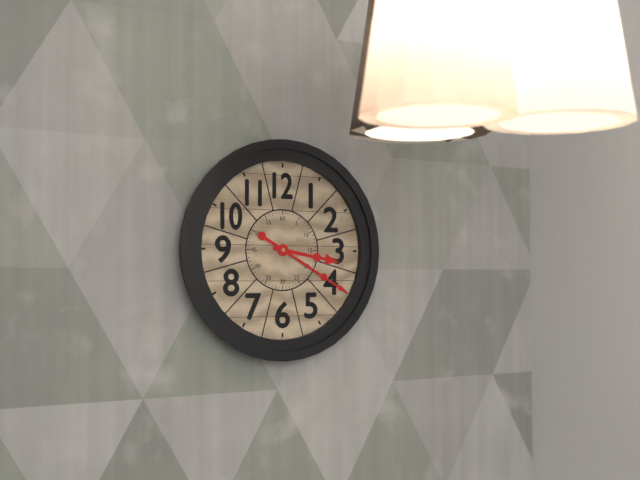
3:20
